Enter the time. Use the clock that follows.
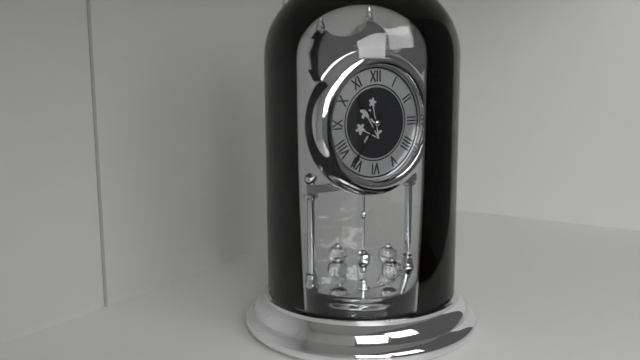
10:36
